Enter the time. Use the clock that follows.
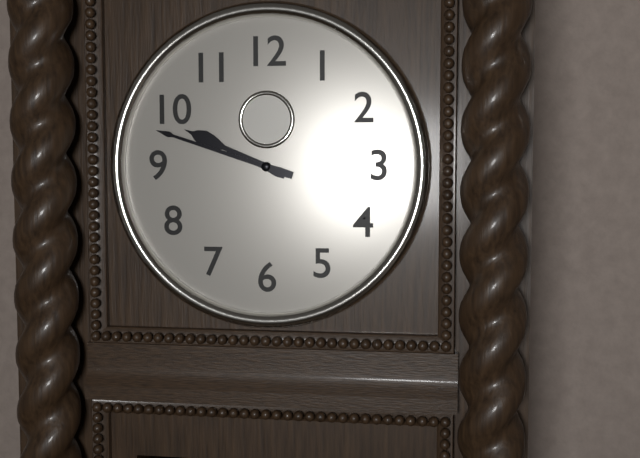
9:48
